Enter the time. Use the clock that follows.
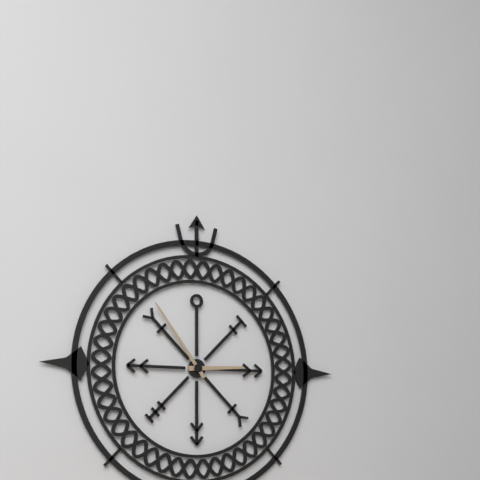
2:54
